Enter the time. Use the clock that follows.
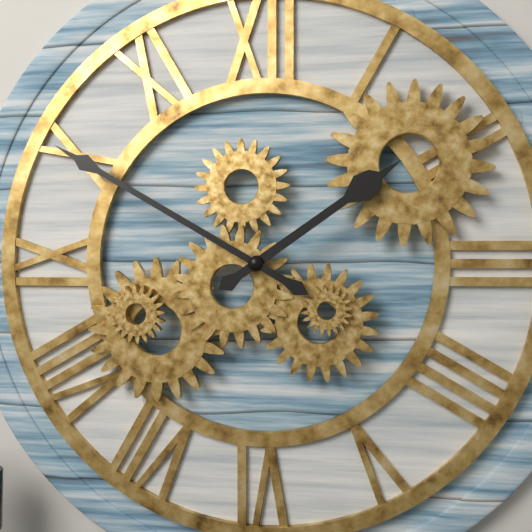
1:50
